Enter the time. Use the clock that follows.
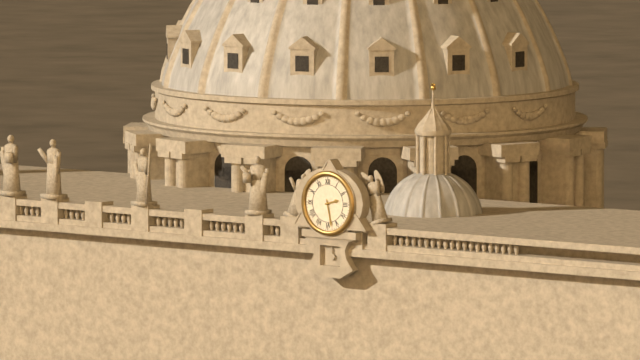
2:28
